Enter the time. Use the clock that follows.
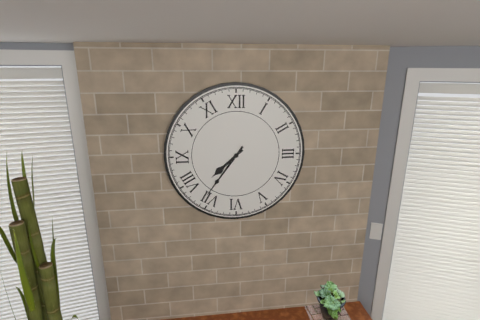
7:36
